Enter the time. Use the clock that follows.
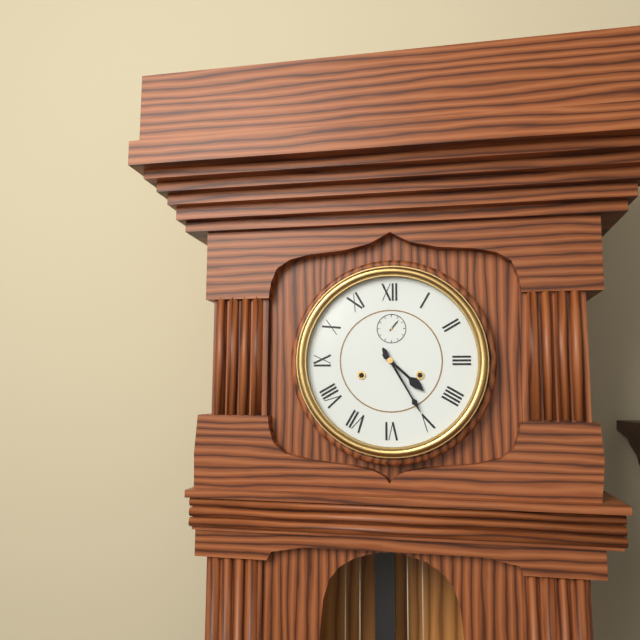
4:25
